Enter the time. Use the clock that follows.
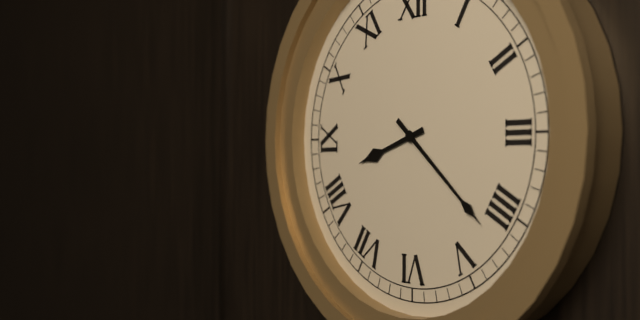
8:22
